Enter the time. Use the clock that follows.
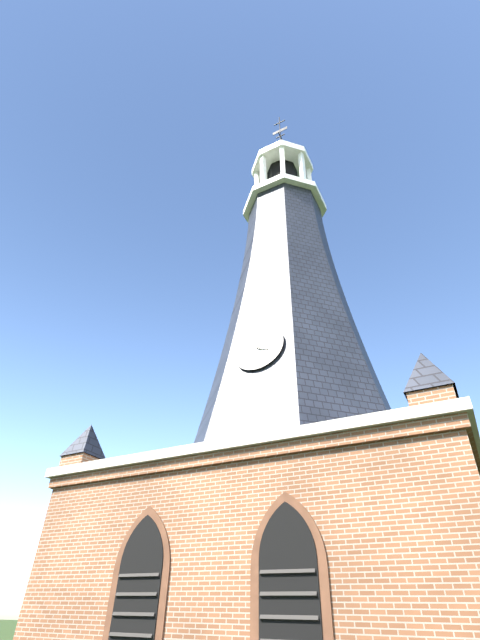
3:54
